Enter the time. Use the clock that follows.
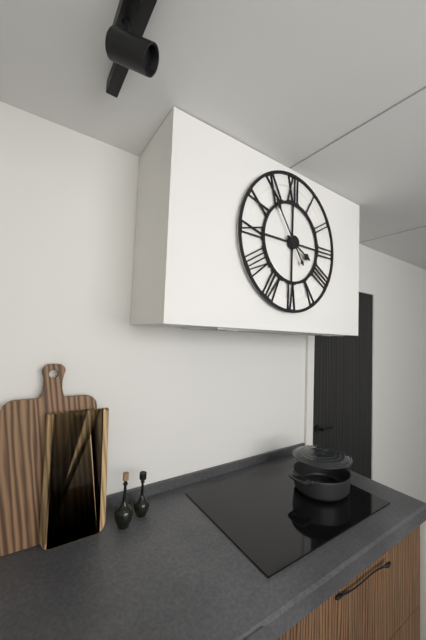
3:54
